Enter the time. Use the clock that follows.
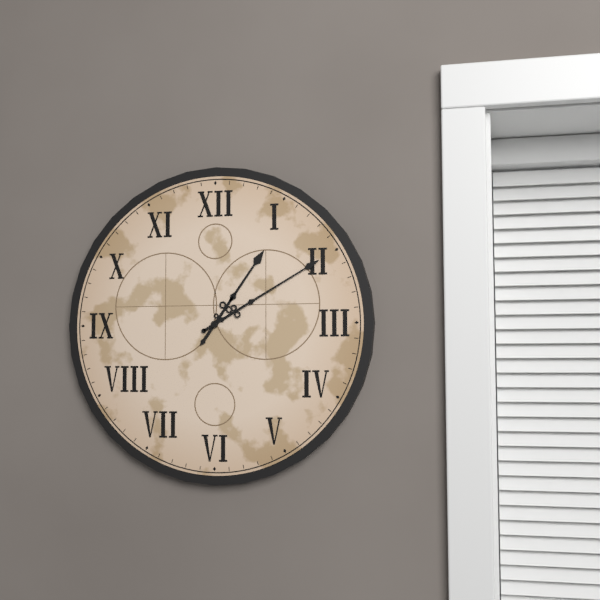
1:10
